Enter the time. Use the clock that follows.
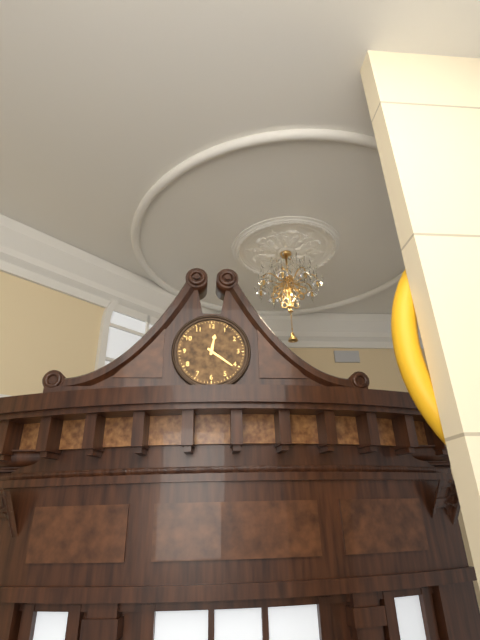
12:21
